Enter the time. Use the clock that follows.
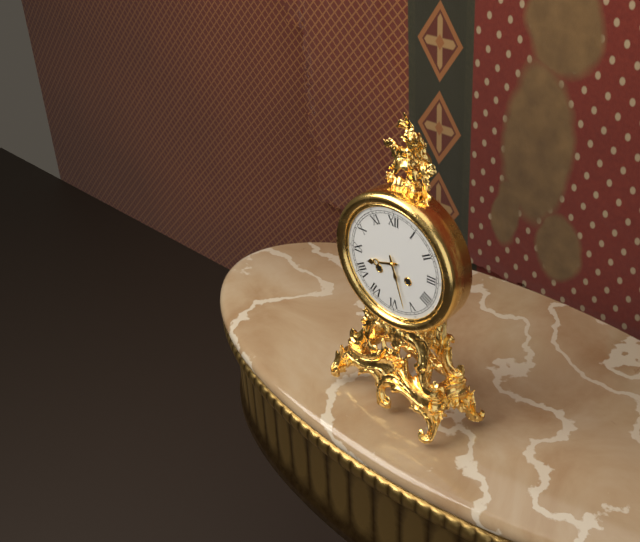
8:27
